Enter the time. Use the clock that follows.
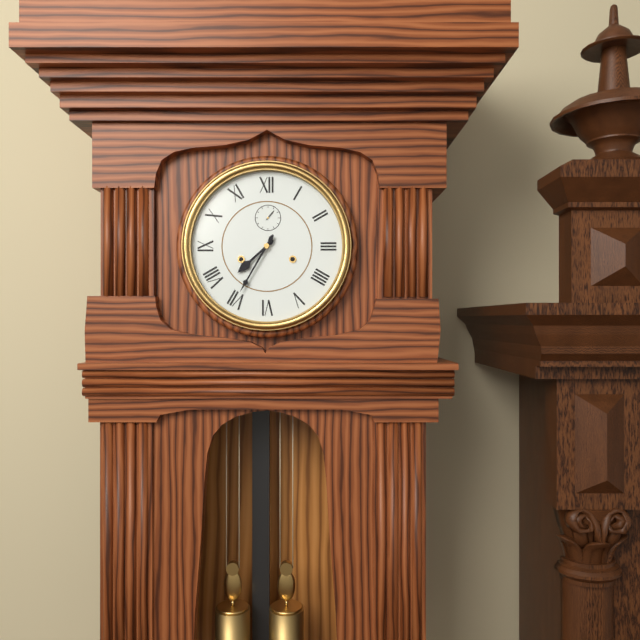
7:35
